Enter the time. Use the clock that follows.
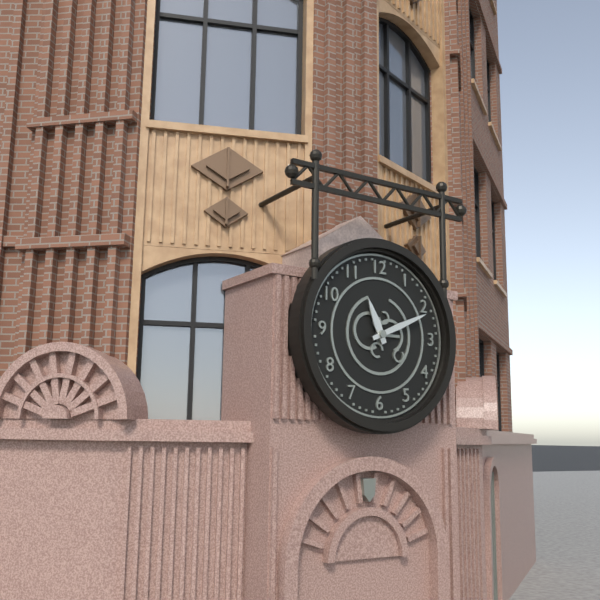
11:11
